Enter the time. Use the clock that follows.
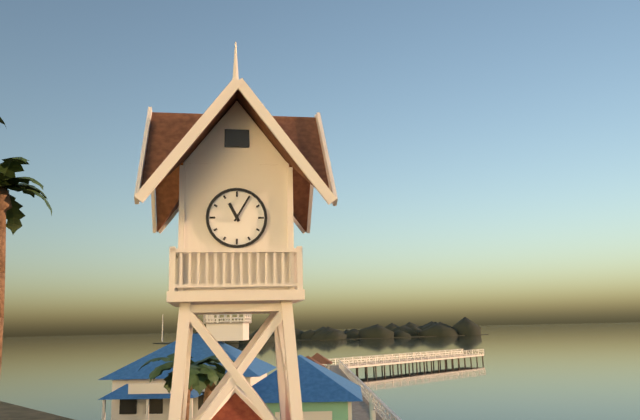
11:05
